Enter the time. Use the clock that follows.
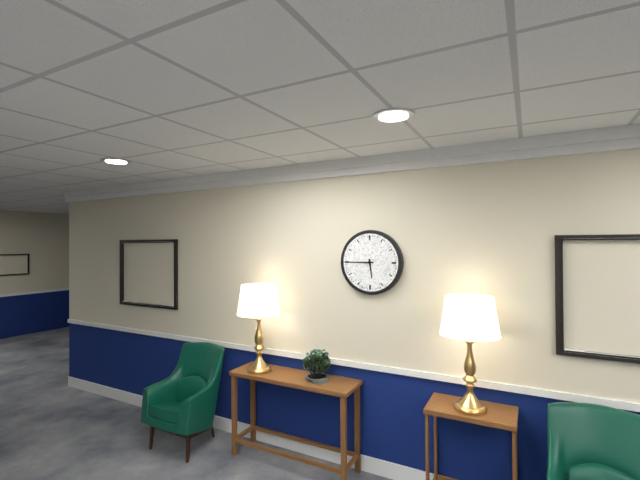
5:45
